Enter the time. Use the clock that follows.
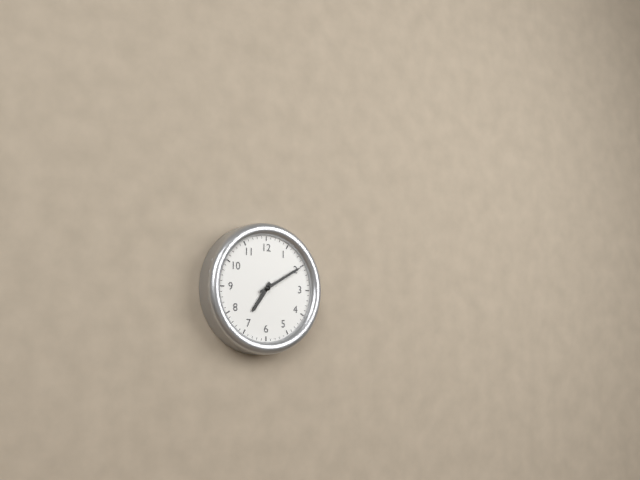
7:10
